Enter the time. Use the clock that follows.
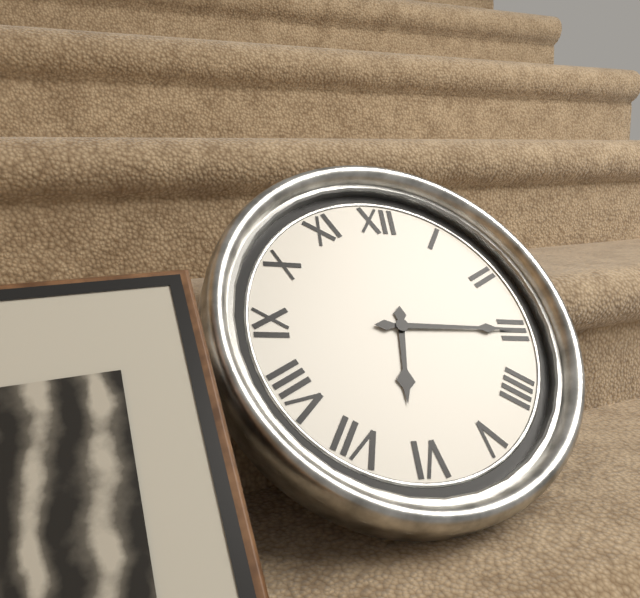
6:15
